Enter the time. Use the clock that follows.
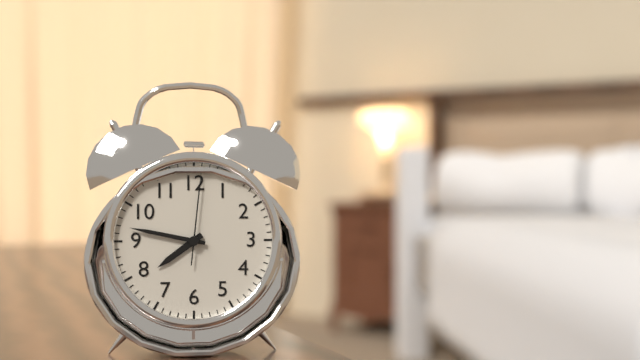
7:47:01
